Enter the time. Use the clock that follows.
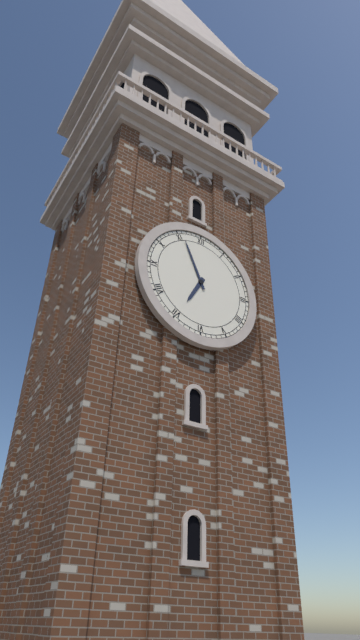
6:56
